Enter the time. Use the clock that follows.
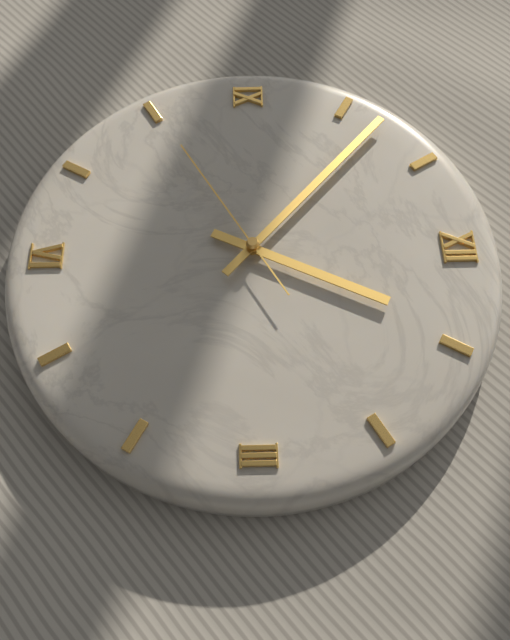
12:52:40
